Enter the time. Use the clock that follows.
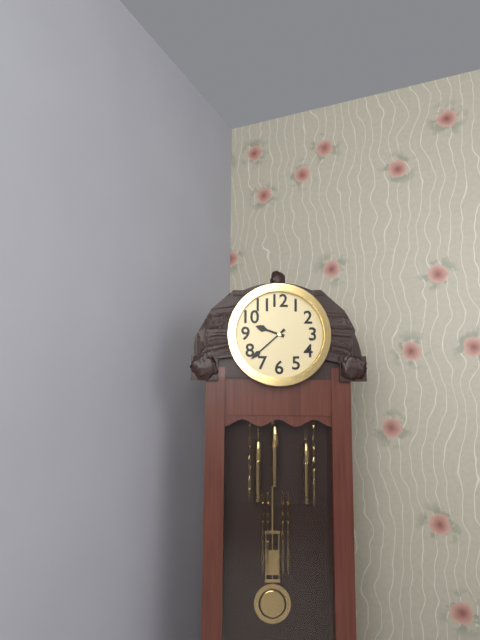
9:38
